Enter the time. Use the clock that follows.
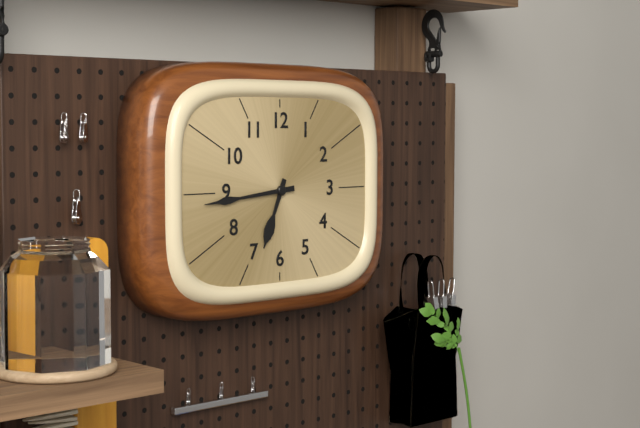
6:44
